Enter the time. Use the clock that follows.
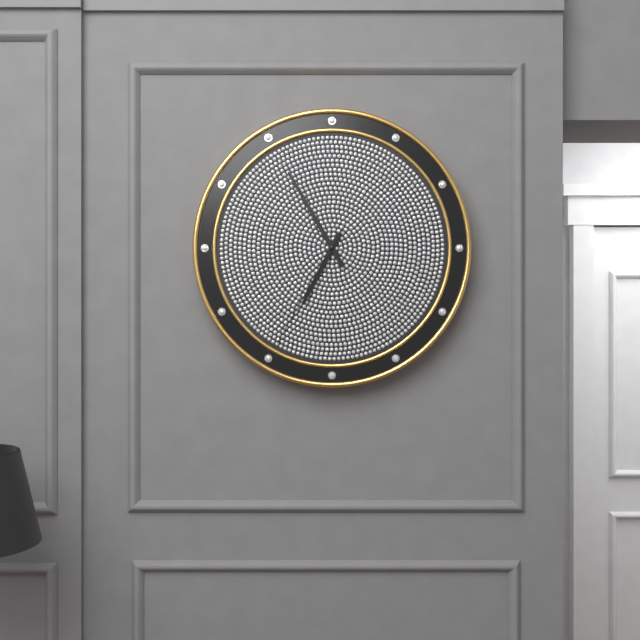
6:55:35
